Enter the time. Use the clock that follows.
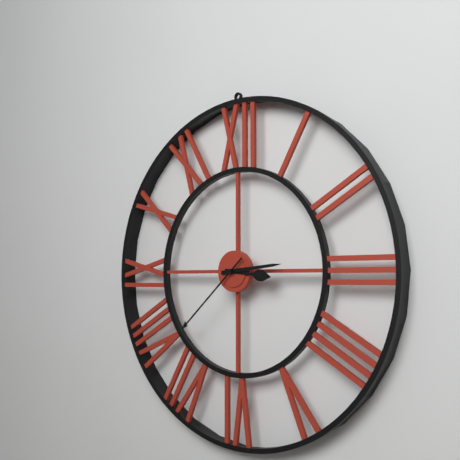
3:14:38
